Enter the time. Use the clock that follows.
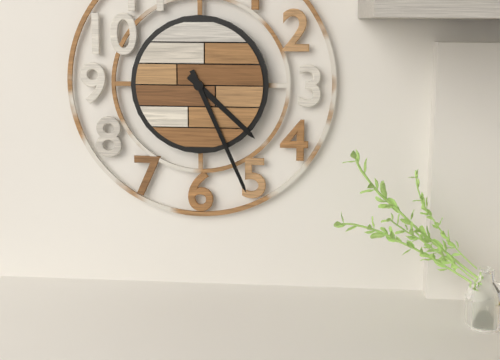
4:26
